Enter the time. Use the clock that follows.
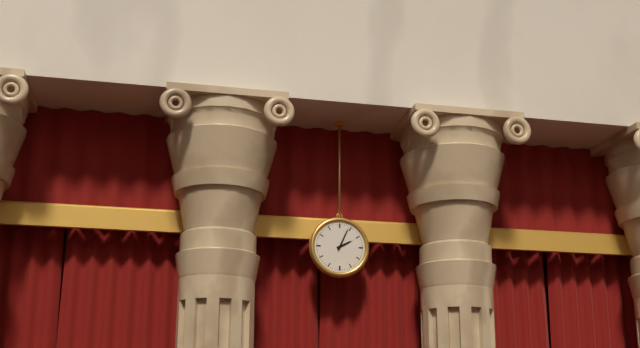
2:04
